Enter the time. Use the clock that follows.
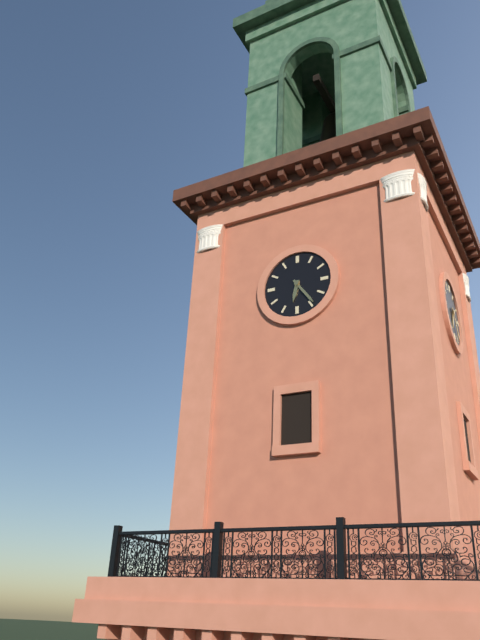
6:24
